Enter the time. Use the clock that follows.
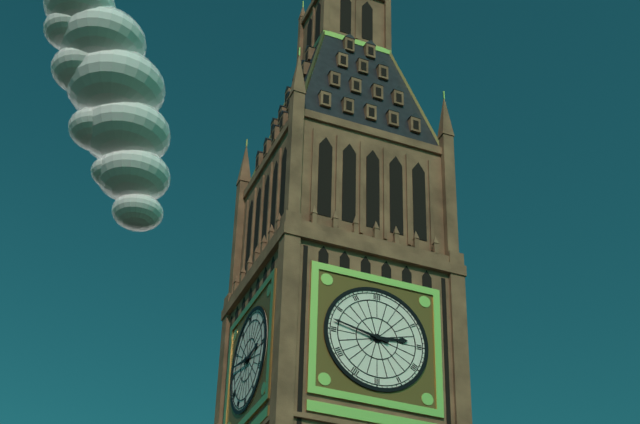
2:47
